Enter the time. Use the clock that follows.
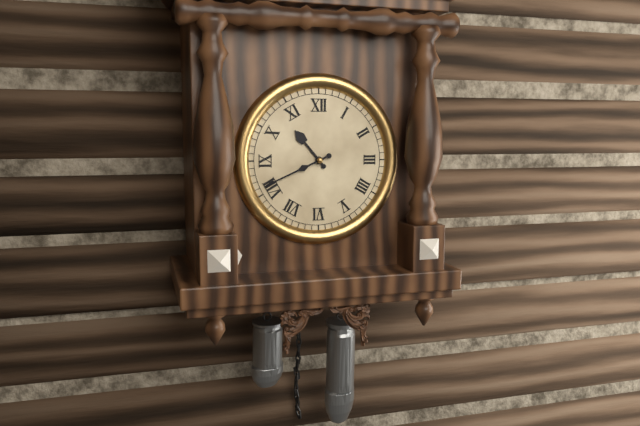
10:41
